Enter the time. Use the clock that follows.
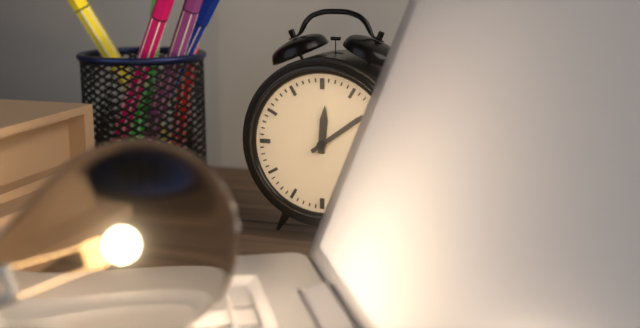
12:09
